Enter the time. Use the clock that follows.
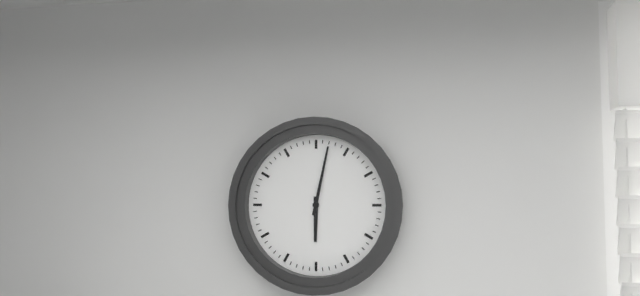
6:02
